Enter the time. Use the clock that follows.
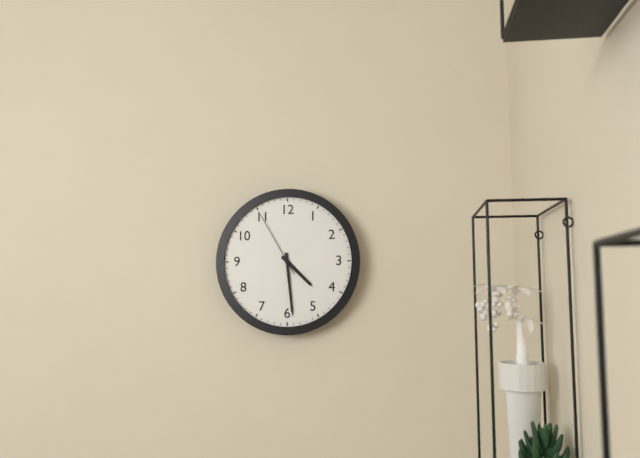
4:29:55
